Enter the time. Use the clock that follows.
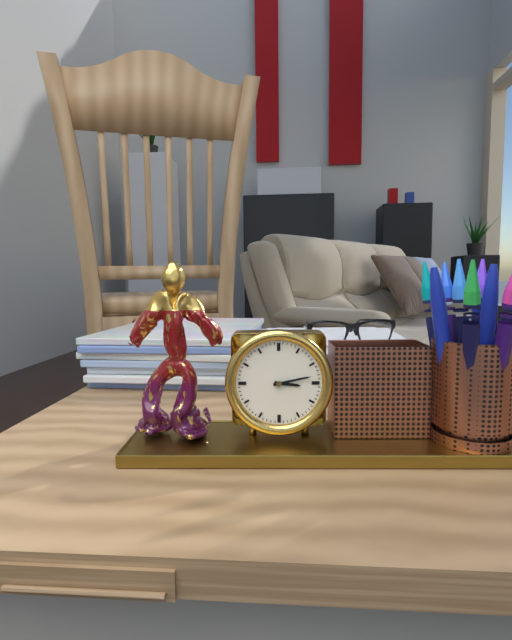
3:13
